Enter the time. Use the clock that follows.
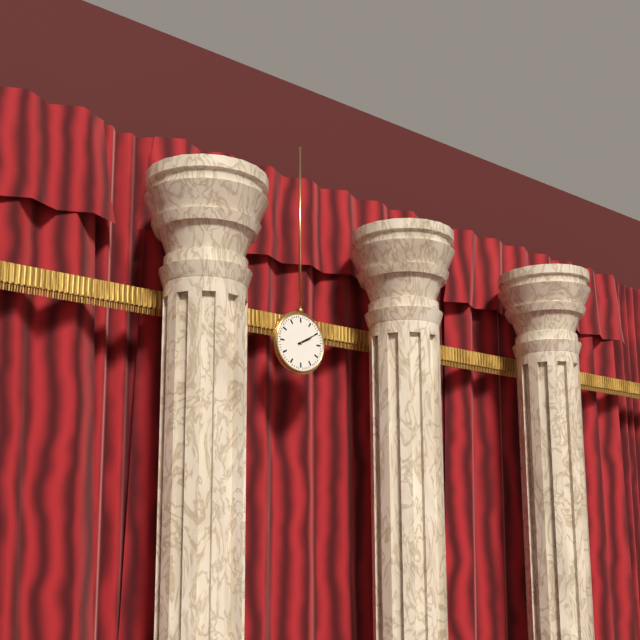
2:10
